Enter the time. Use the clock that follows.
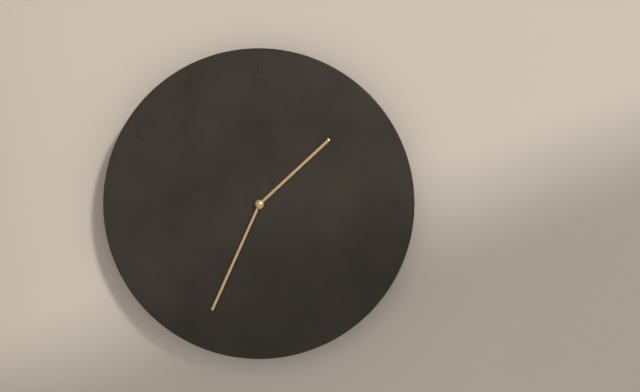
1:34
